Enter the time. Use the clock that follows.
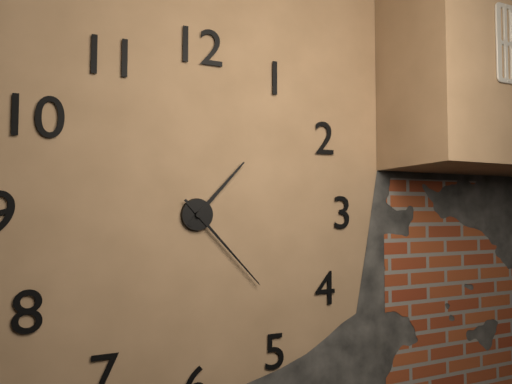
1:23
